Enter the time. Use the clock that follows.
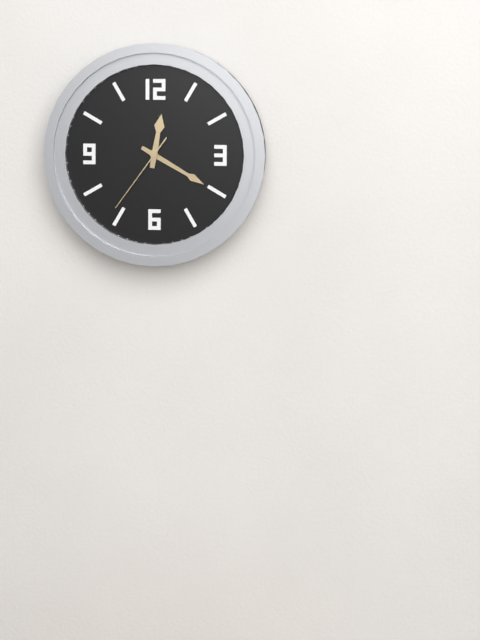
12:20:36
